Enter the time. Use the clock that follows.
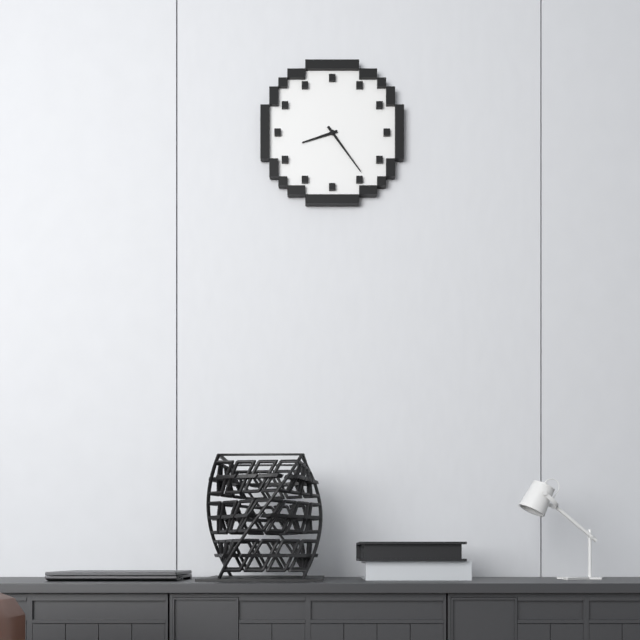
8:24
